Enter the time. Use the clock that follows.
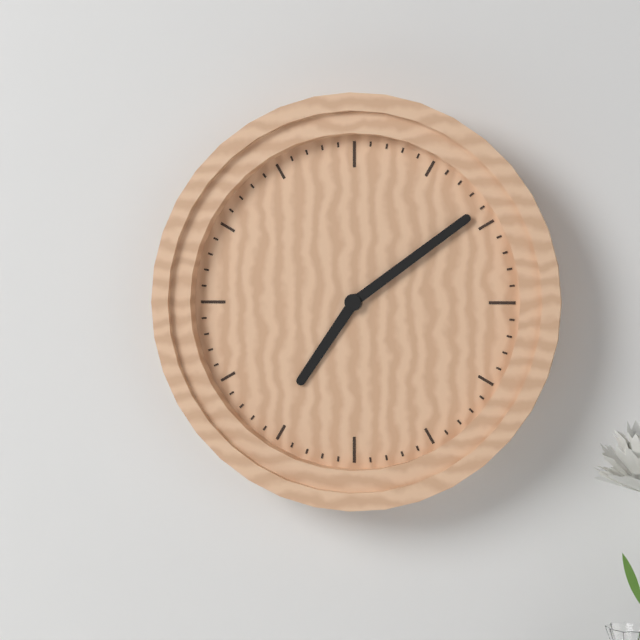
7:09
